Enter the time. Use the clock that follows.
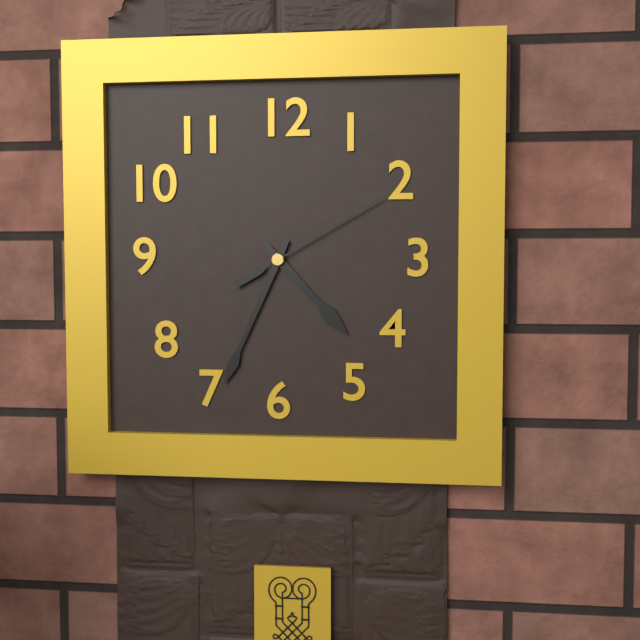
4:34:10
